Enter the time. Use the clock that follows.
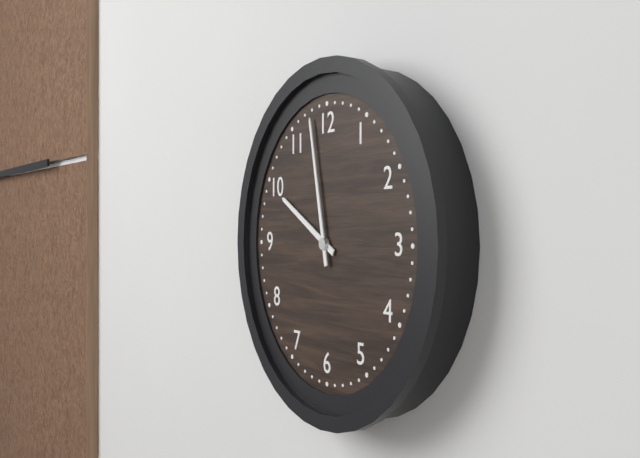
9:58
